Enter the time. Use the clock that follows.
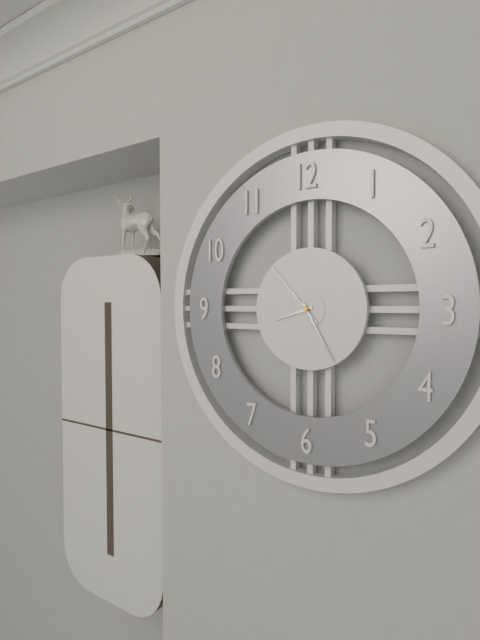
8:25:53
